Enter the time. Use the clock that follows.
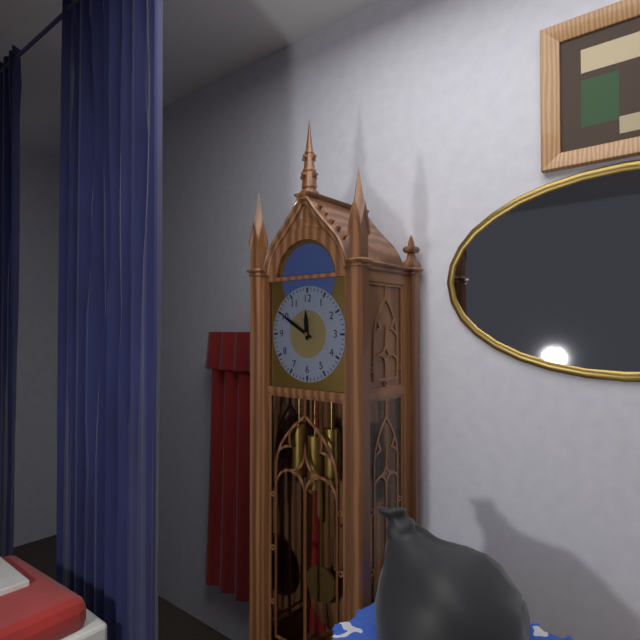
11:50
